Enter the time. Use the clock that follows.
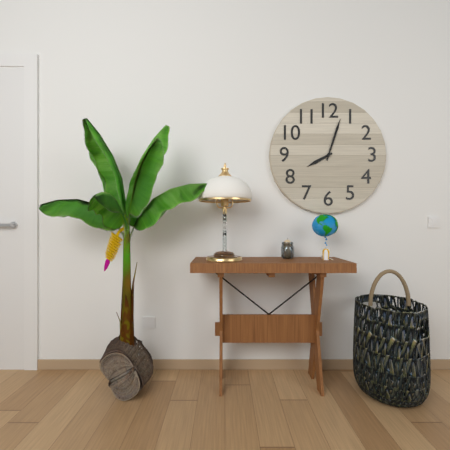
8:03
